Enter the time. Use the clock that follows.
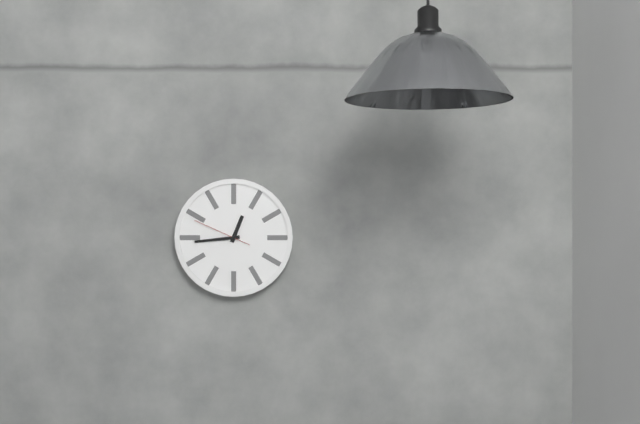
12:44:49
